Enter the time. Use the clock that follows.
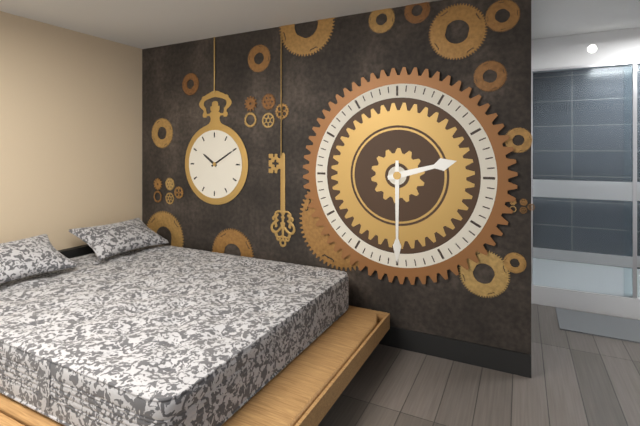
2:30
